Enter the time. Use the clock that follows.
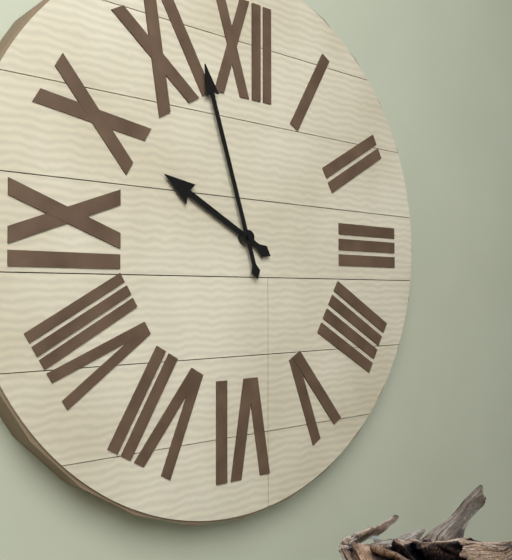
9:57
